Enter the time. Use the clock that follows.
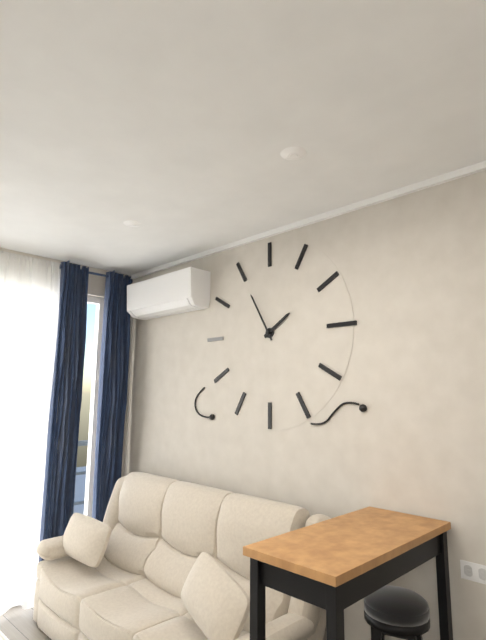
1:55
